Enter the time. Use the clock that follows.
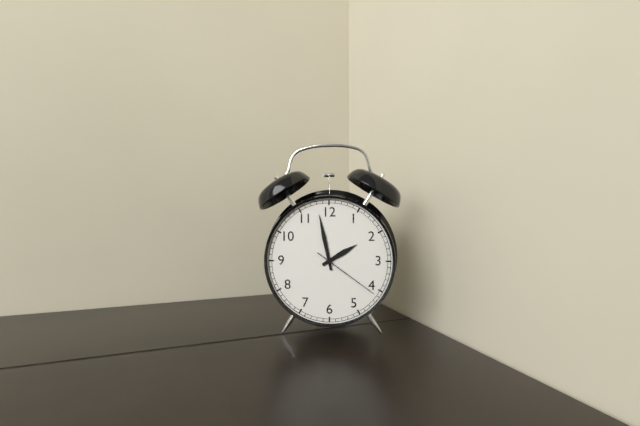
1:58:21
